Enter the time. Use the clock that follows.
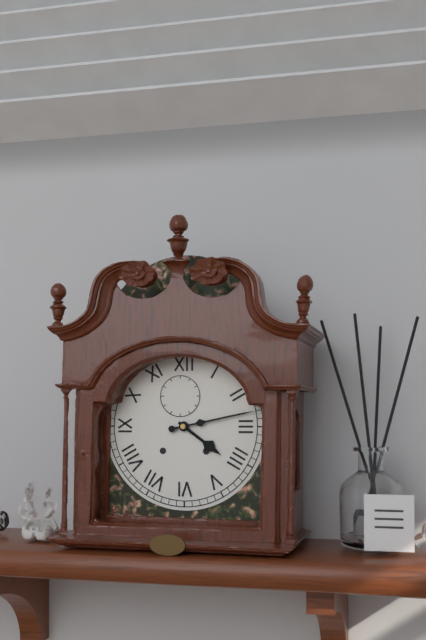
4:13
